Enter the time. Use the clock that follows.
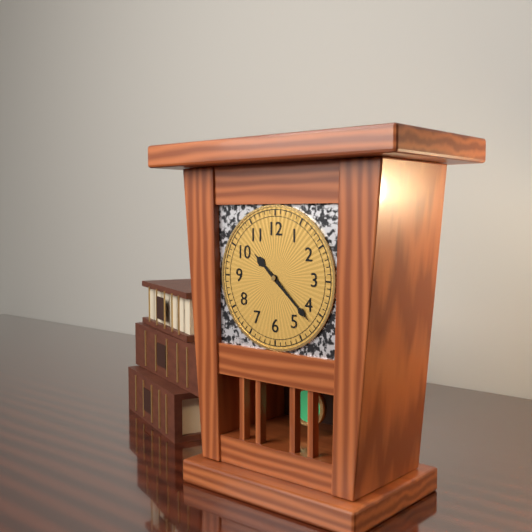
10:22
